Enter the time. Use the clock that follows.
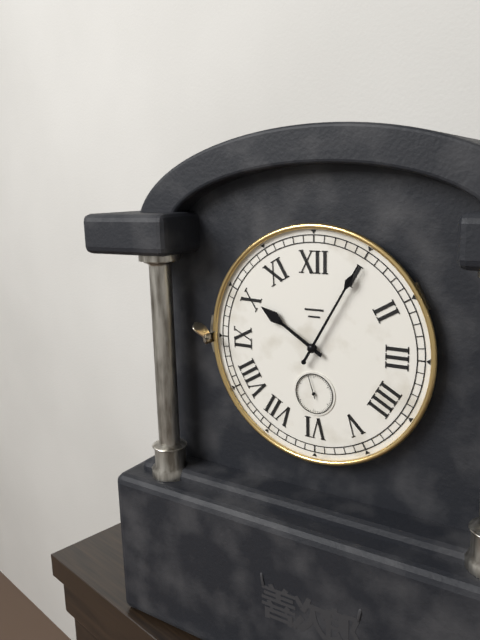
10:05
